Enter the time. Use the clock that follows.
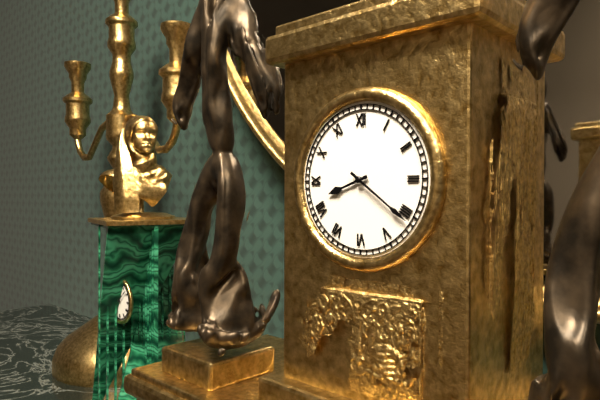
8:21
